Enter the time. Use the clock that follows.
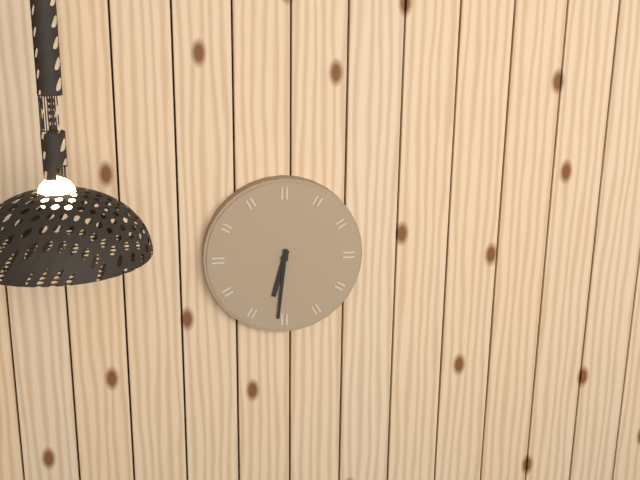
6:31
